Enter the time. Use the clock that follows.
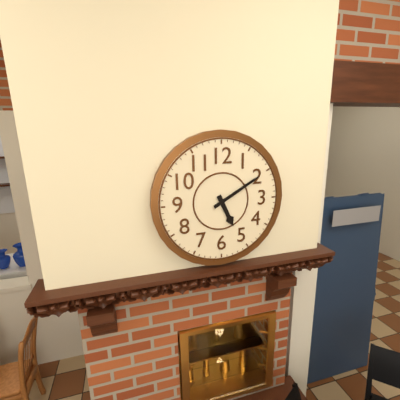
5:10
